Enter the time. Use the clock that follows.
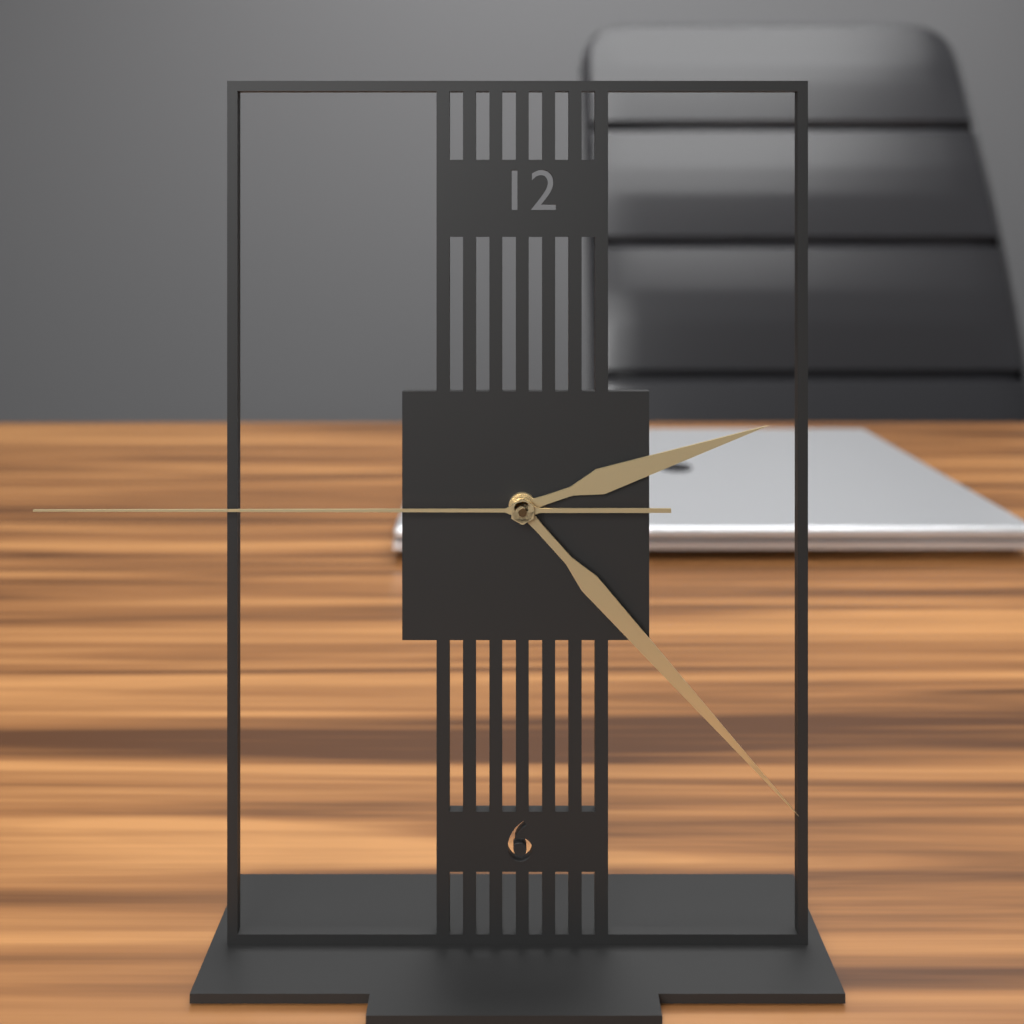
2:23:45
